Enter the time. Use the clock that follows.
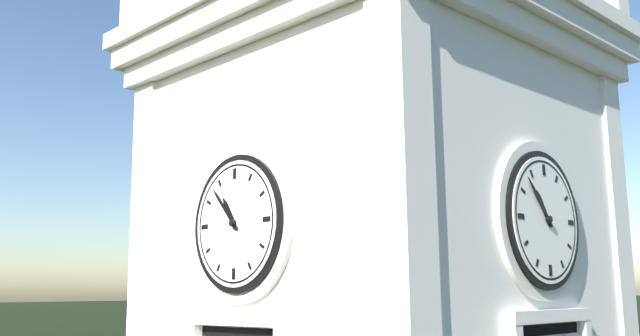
10:53
